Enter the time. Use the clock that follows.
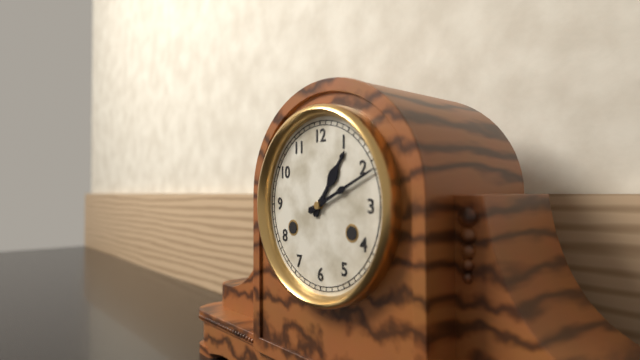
1:11
